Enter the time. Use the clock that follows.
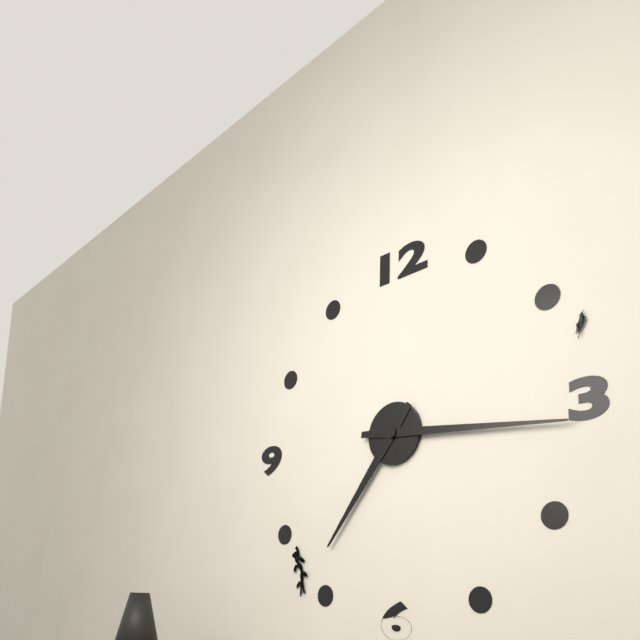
7:16
